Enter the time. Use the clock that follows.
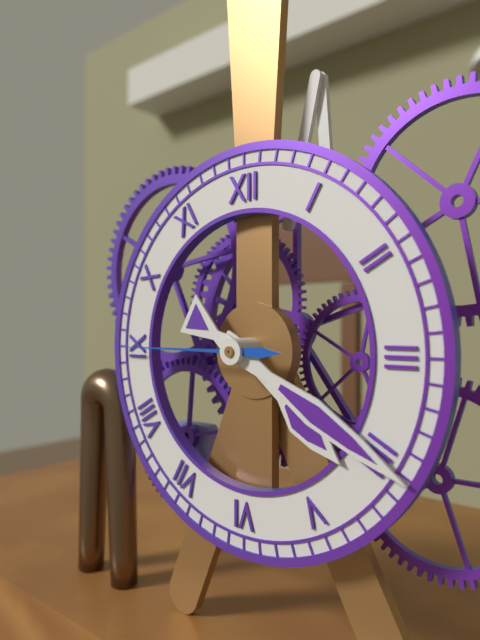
4:20:45
